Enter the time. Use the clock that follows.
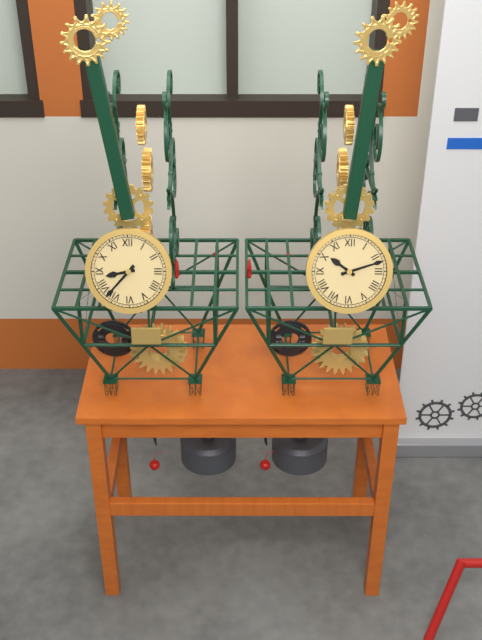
8:37
